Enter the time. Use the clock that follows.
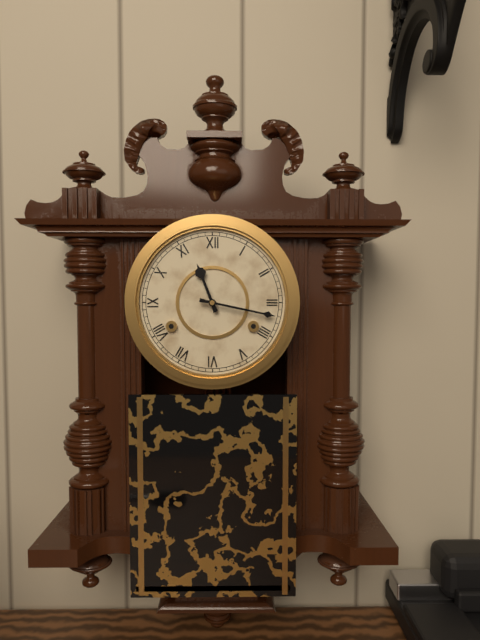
11:17
